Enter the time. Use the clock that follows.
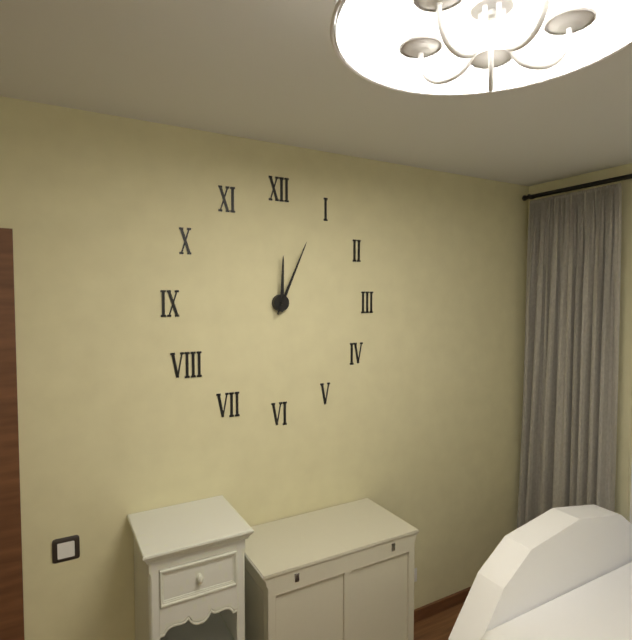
12:04
